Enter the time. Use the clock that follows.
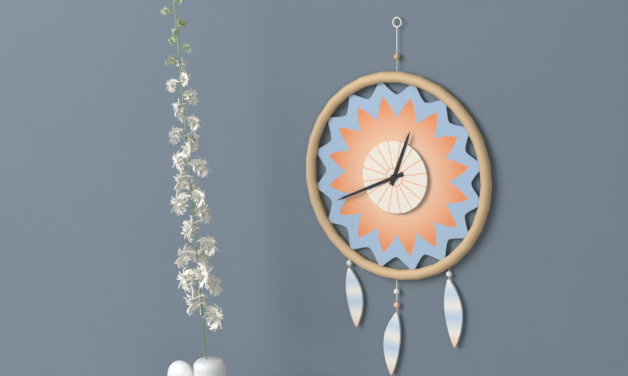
12:41
